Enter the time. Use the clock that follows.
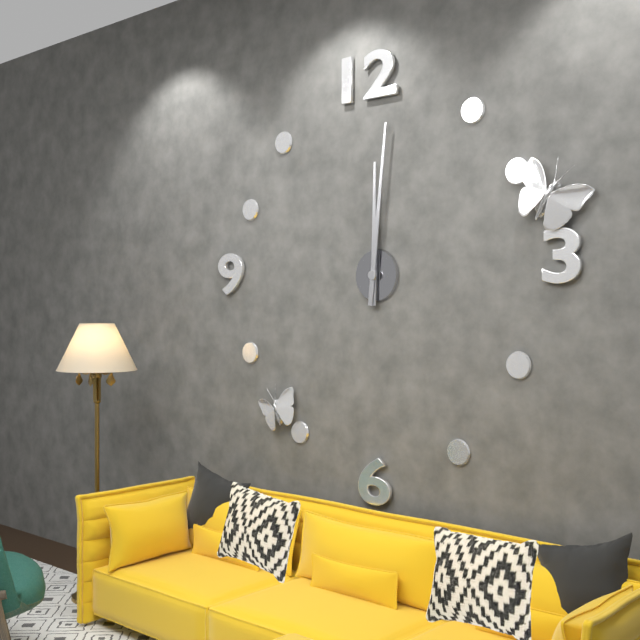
12:01
